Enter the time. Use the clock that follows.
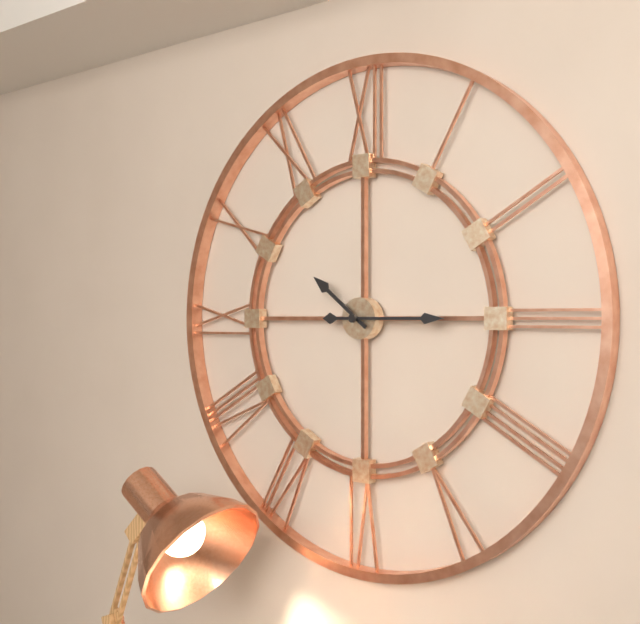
10:15
